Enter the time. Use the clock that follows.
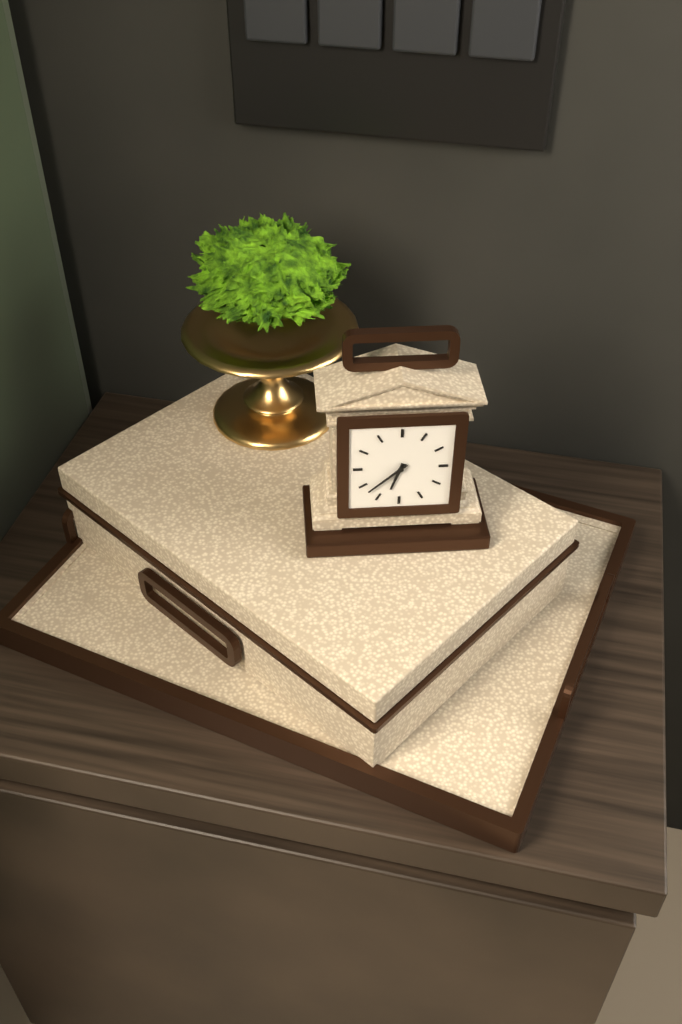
6:38
